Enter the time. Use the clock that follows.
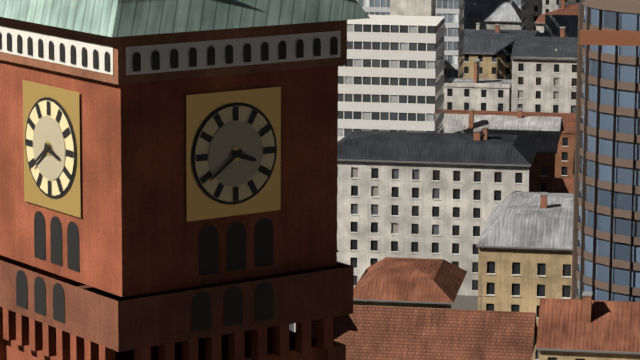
3:39
